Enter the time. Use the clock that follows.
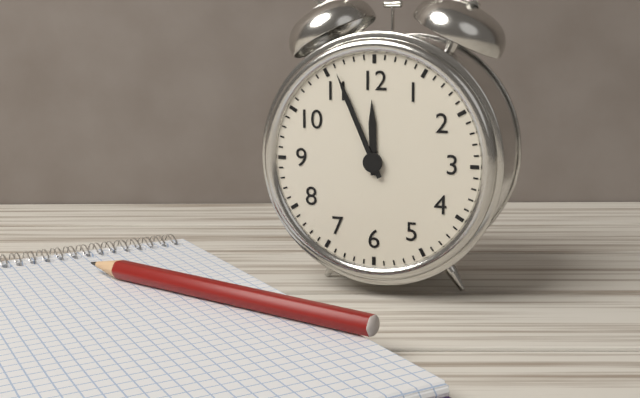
11:56
